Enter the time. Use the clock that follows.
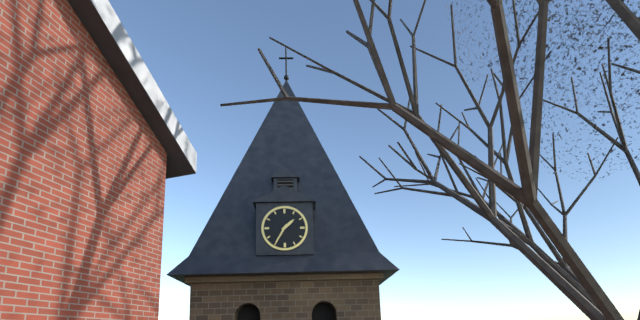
1:35
